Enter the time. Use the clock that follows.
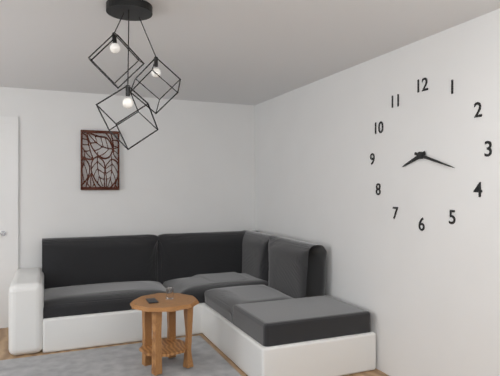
8:18
